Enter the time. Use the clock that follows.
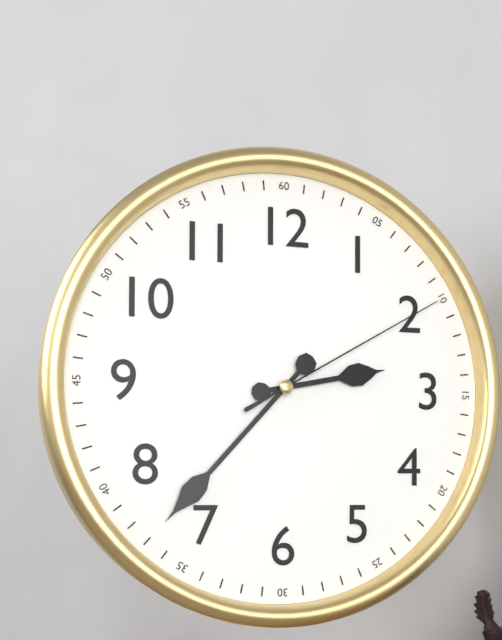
2:37:10
